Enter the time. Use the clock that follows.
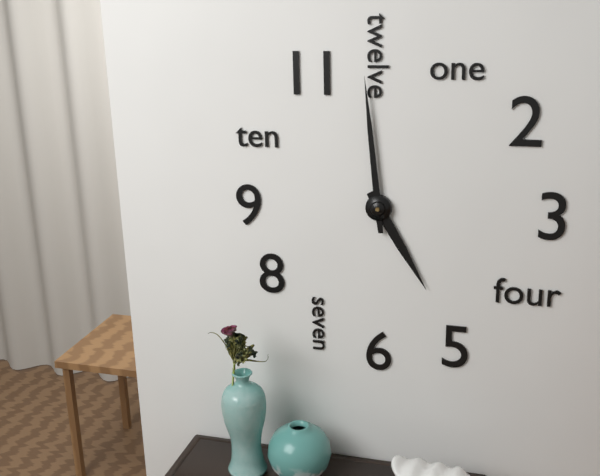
4:59
